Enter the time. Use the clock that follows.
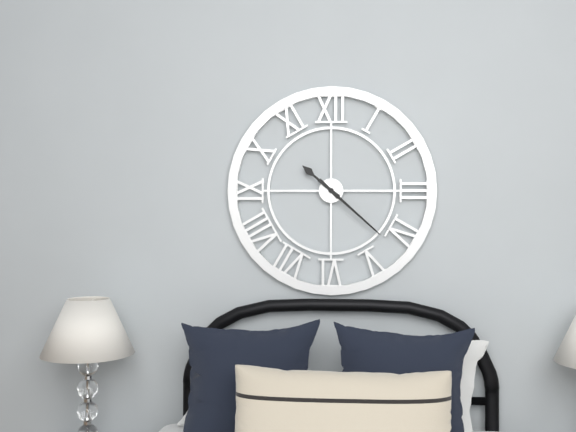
10:22
